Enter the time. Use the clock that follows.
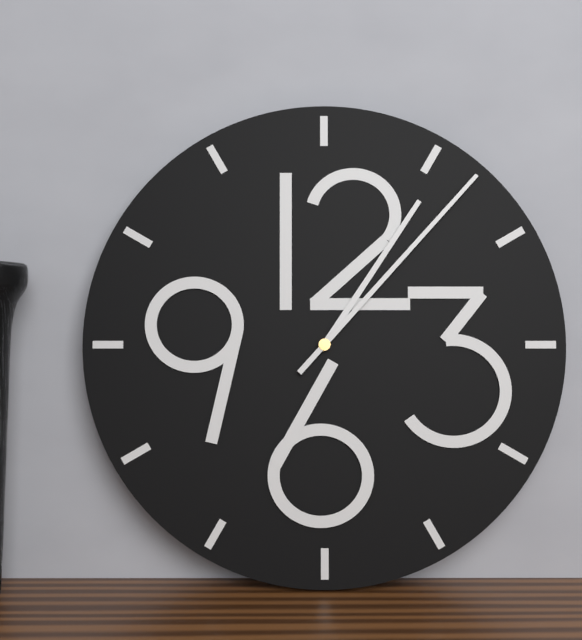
1:07
